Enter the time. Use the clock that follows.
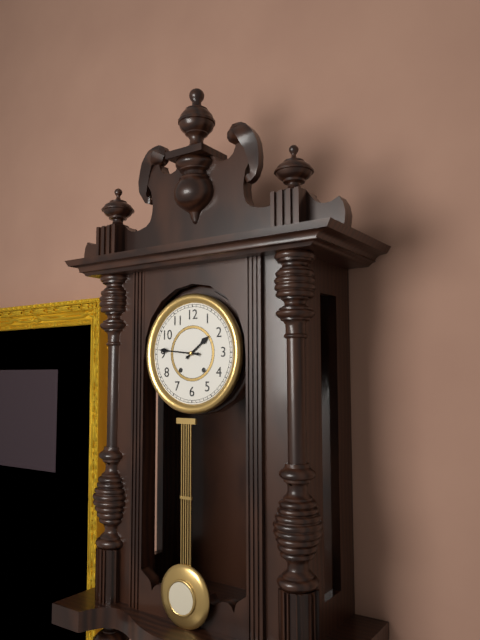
1:46
